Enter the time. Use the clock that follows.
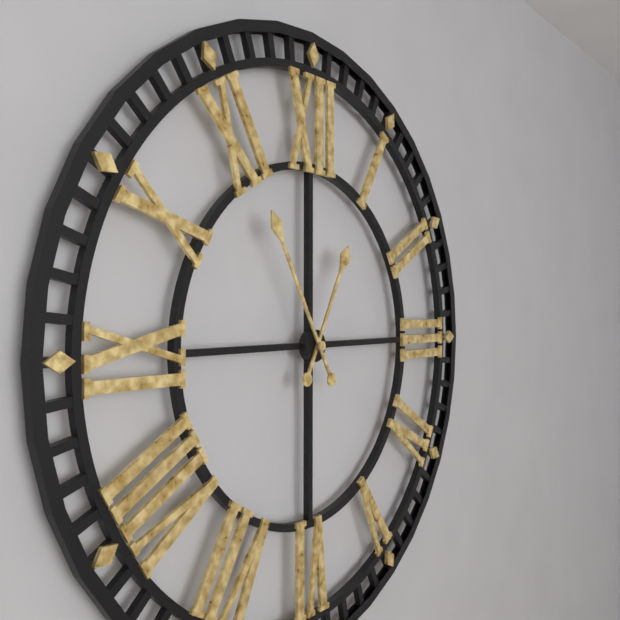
12:55
